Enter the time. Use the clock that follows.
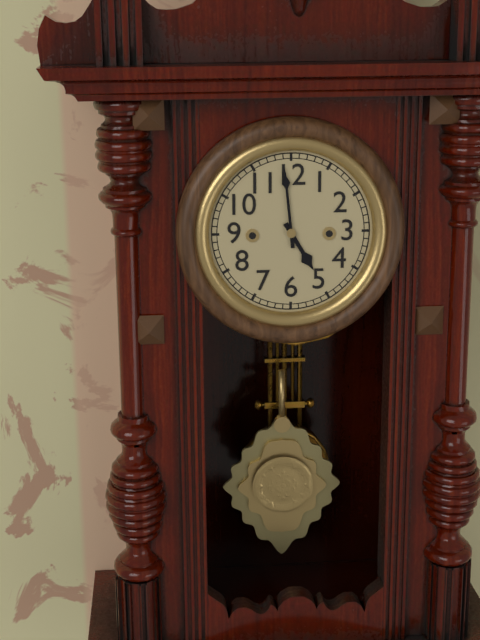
4:59
